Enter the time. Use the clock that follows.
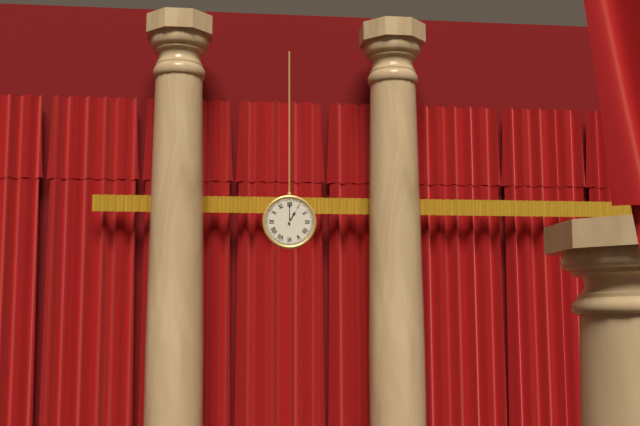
1:00
